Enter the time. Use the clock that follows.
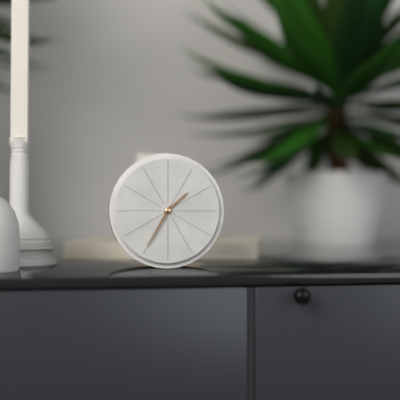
1:35
